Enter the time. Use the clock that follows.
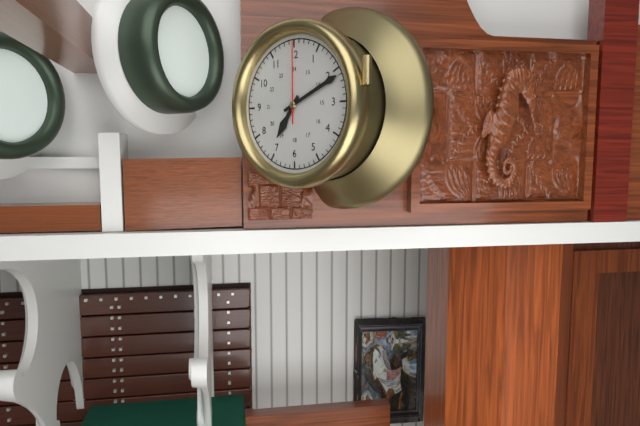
7:11:00
